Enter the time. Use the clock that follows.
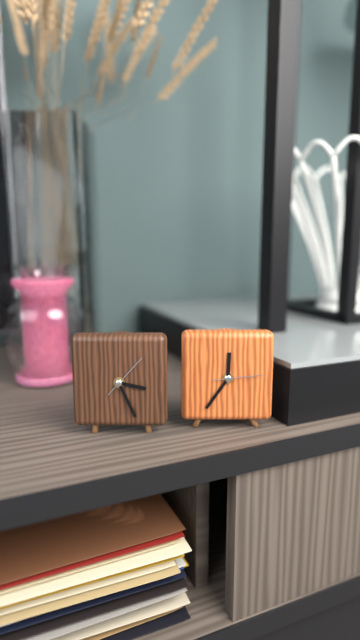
3:26
